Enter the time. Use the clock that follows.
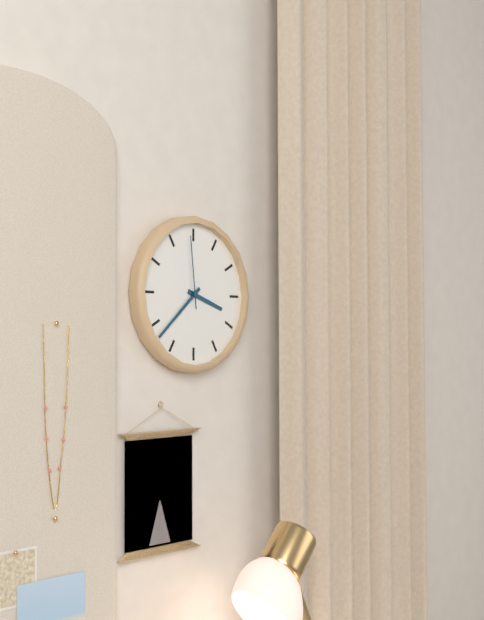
3:38:59
